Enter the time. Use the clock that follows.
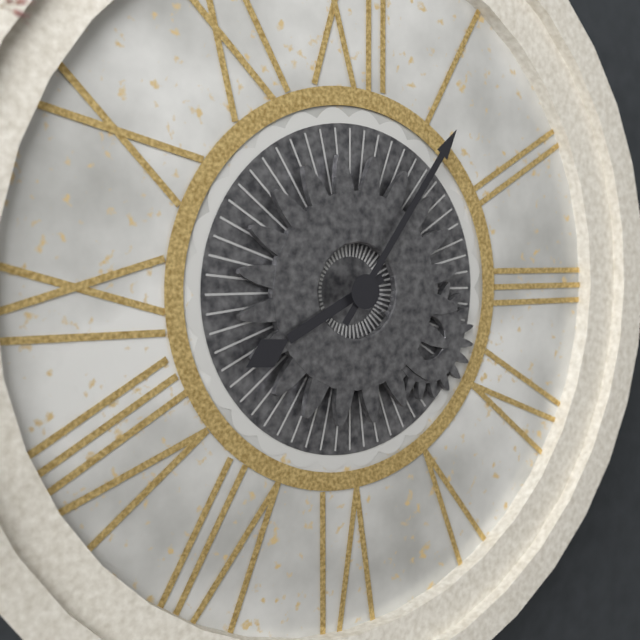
8:06
